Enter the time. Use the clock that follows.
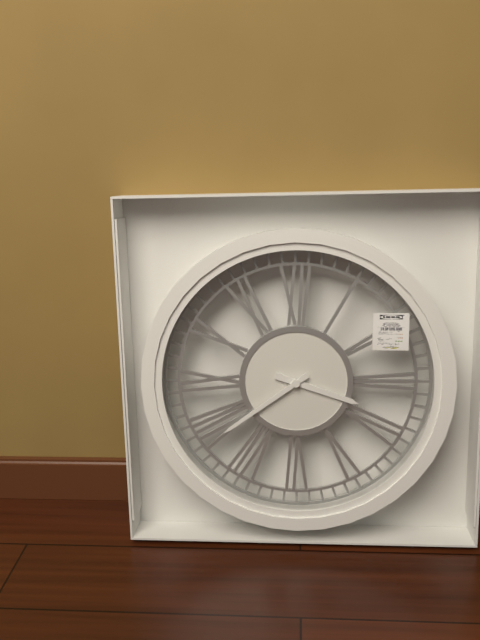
3:39
